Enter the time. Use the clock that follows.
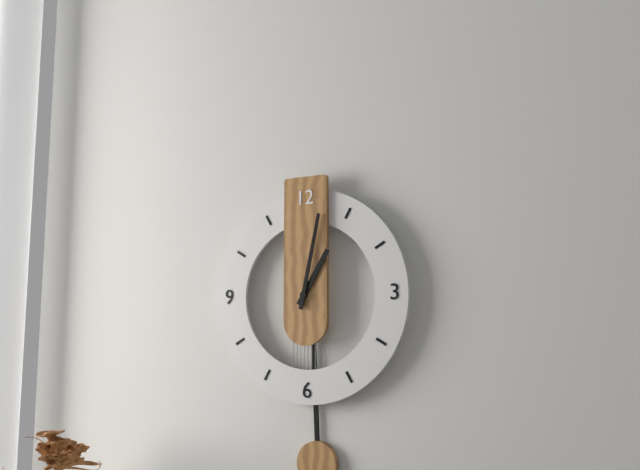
1:02
